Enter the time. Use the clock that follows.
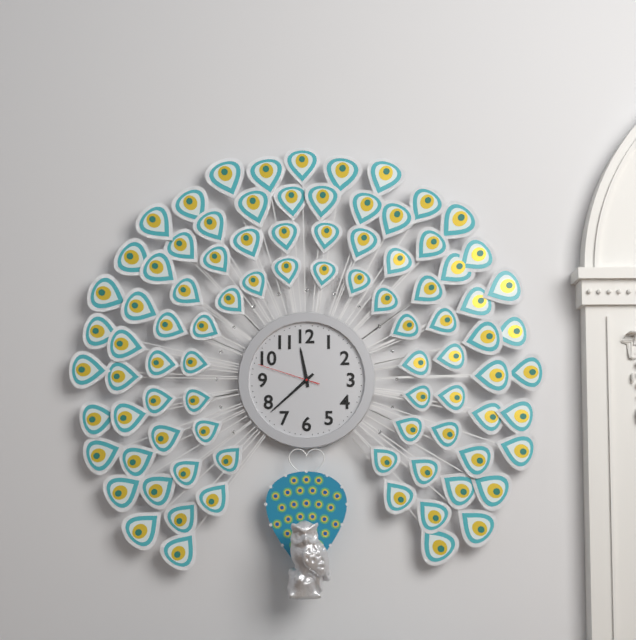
11:38:48
